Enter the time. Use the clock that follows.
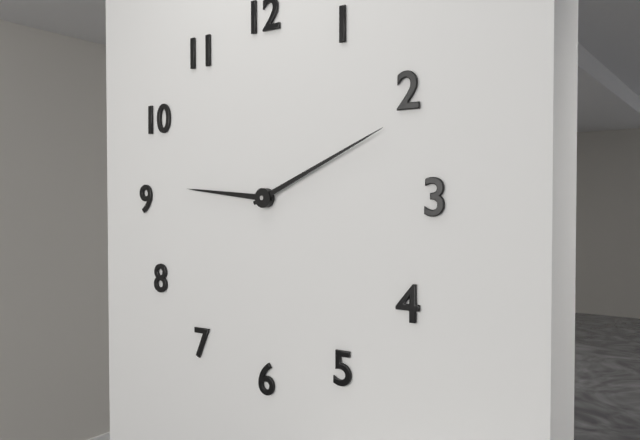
9:11
